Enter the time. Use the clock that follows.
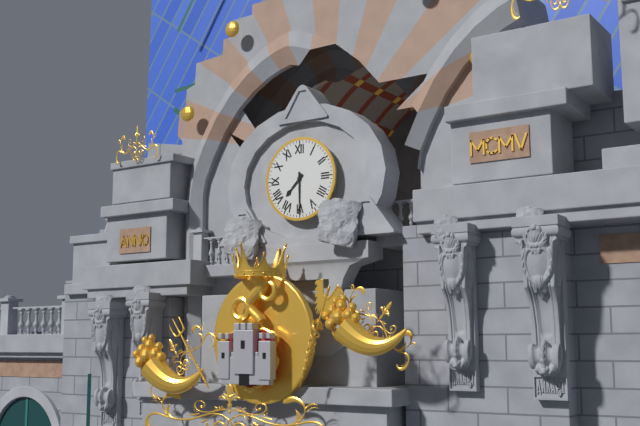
7:30
